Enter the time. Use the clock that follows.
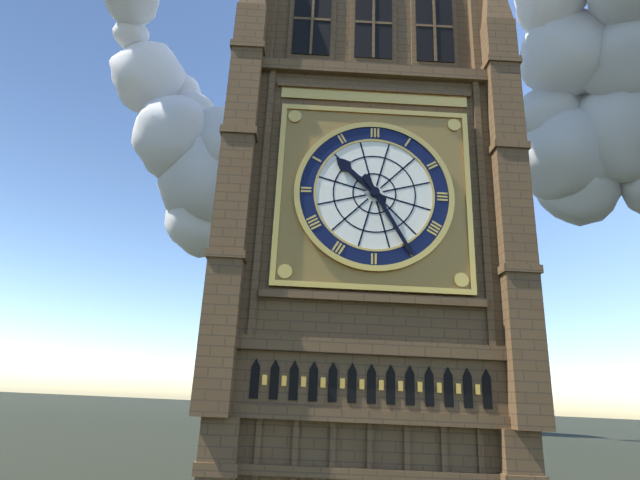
10:25
